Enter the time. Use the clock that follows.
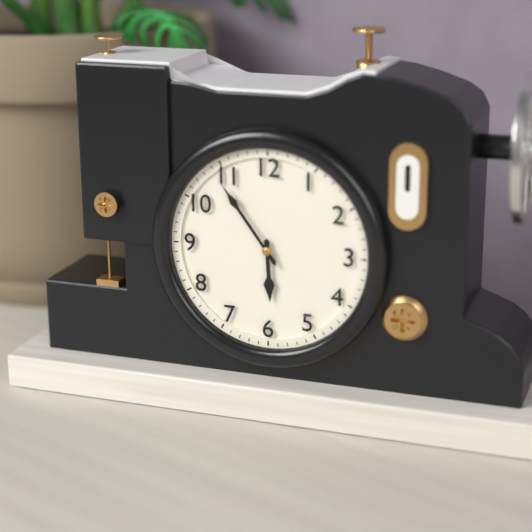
5:54
